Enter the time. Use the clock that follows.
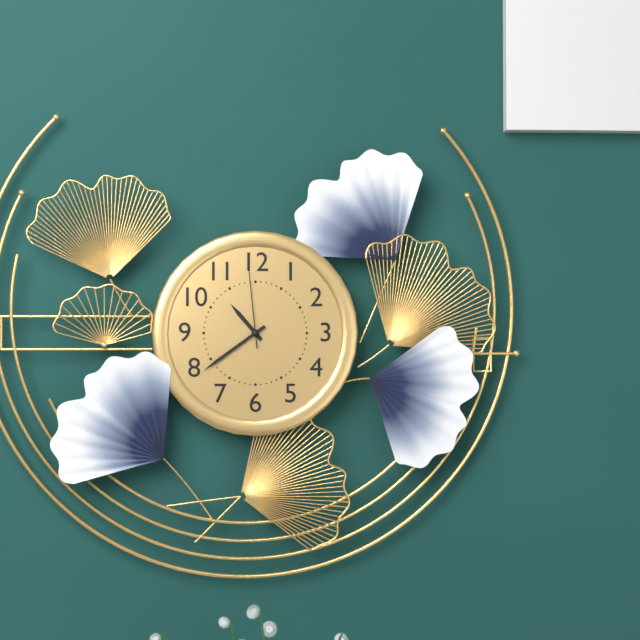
10:39:59
